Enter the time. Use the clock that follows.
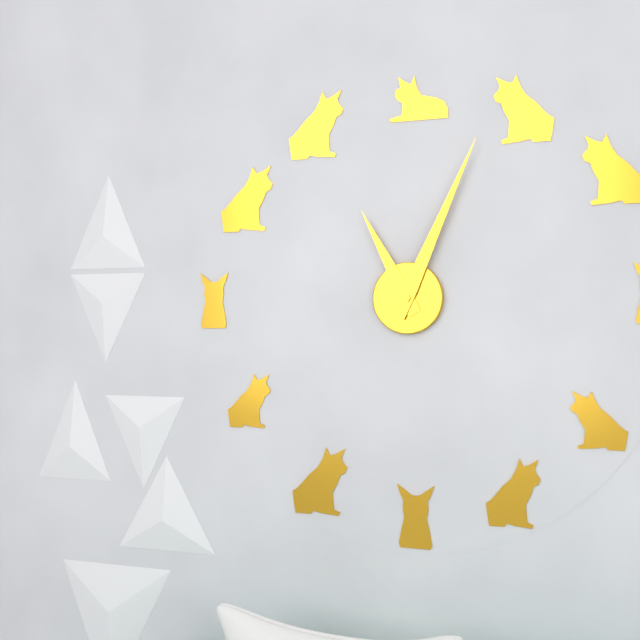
11:04
